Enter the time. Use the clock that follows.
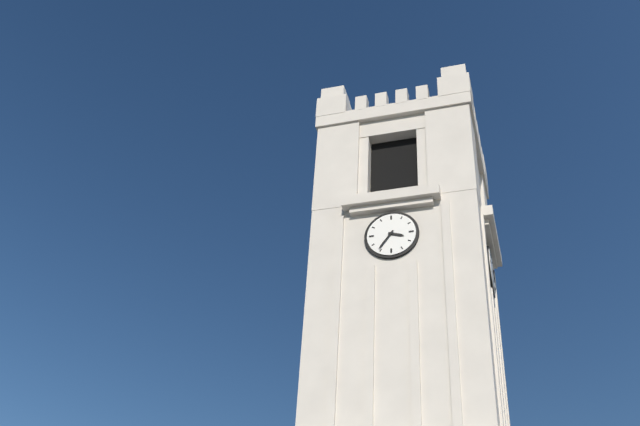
3:36
